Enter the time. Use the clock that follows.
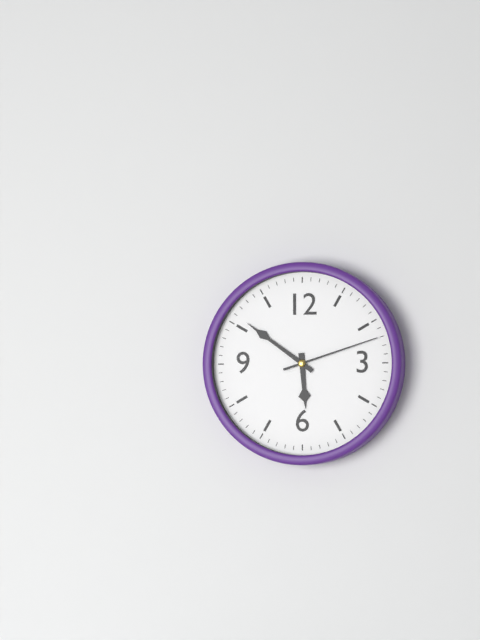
5:51:12
